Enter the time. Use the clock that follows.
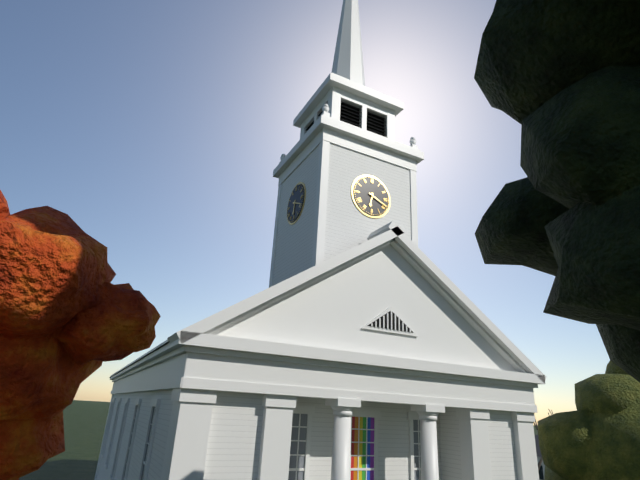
6:19
